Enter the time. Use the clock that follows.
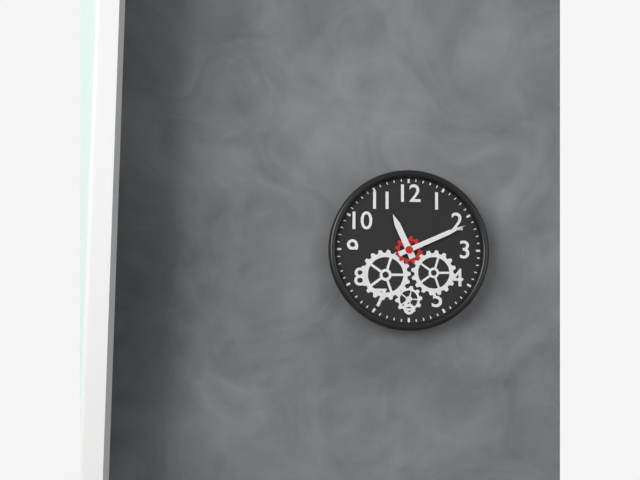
11:11
